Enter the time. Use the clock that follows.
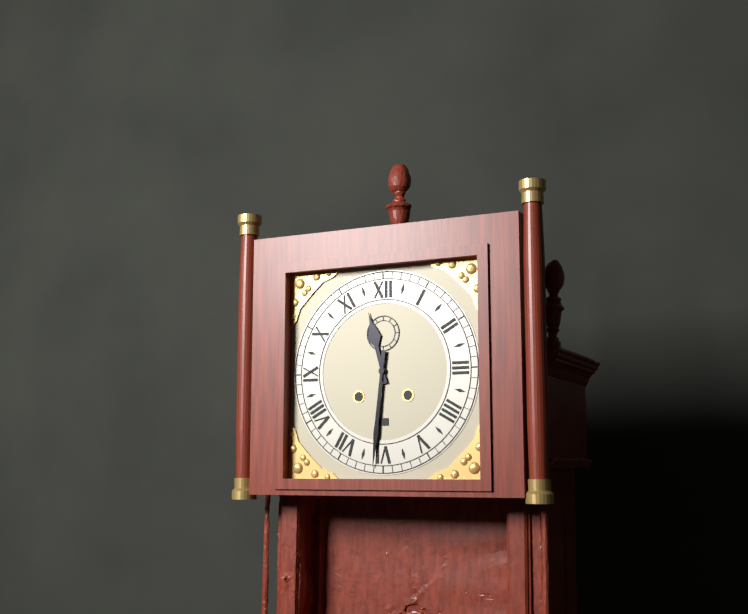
11:31
